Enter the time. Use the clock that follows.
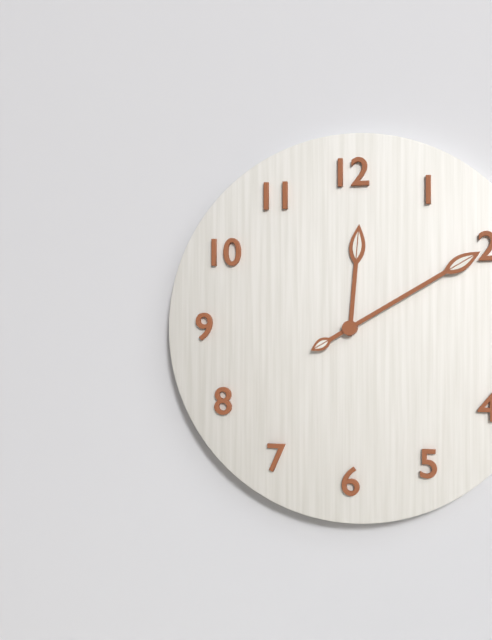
12:10
